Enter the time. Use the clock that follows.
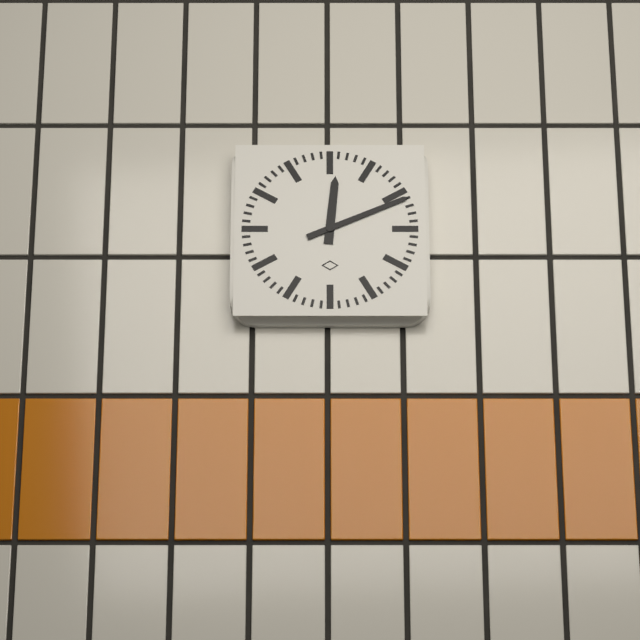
12:11
